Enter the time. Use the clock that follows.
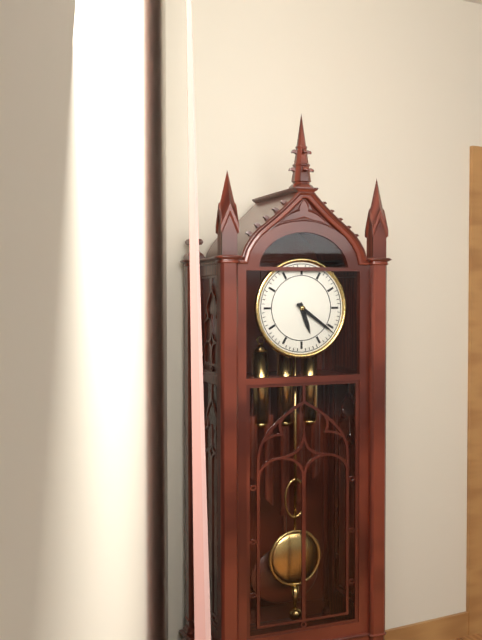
5:21
